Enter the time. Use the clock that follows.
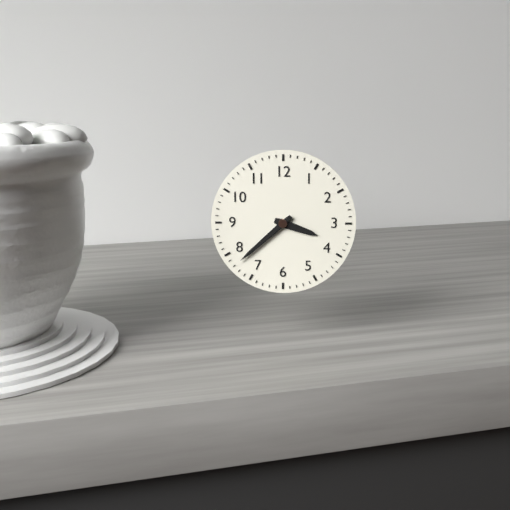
3:38
